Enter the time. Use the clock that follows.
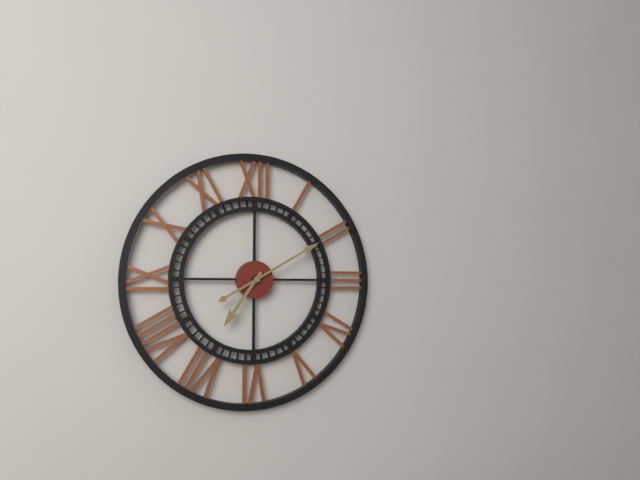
7:10
